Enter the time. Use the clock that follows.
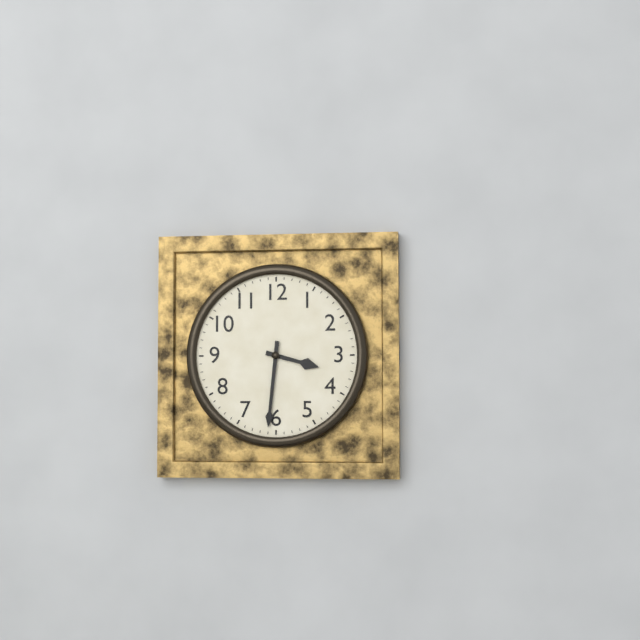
3:31
